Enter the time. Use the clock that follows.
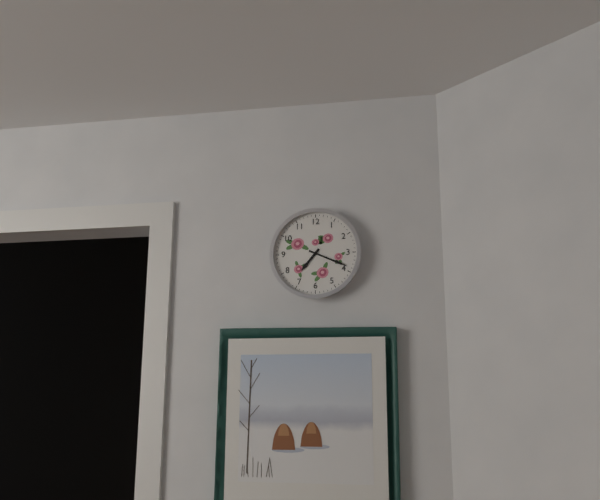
7:19
